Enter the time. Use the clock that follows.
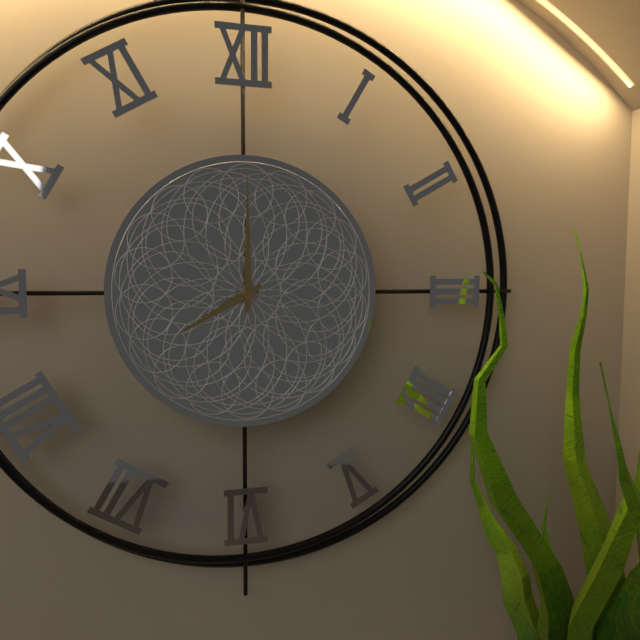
8:00
